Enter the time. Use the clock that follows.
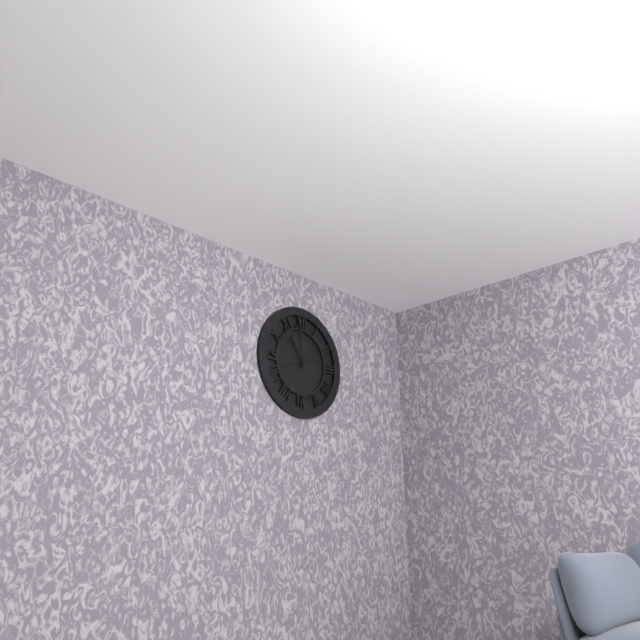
10:59
